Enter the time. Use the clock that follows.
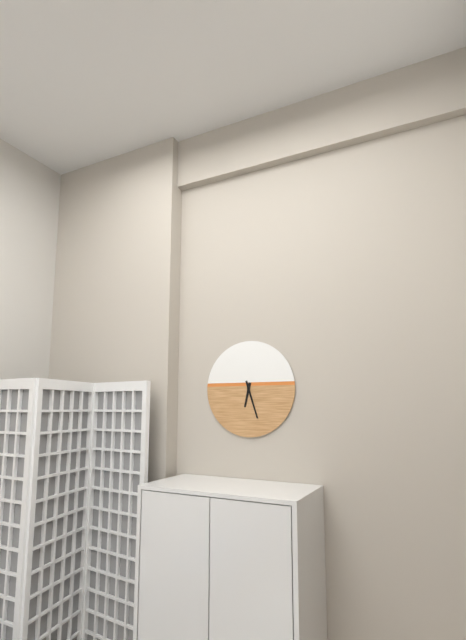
6:27
